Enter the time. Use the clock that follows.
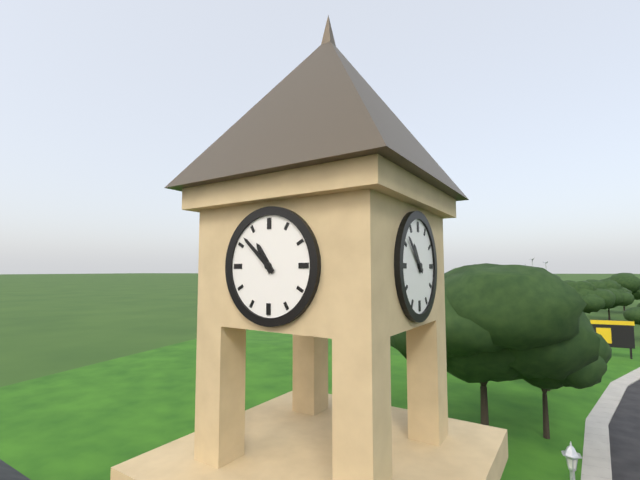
10:52
